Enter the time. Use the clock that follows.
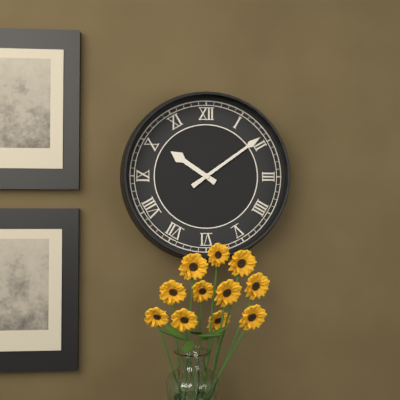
10:09
